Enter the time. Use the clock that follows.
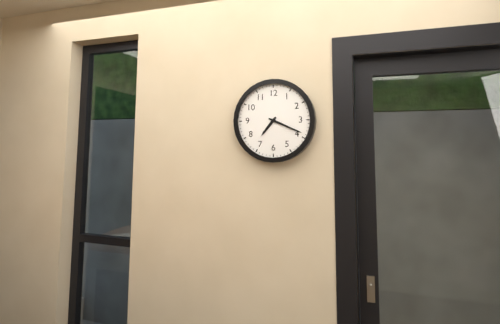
7:19
